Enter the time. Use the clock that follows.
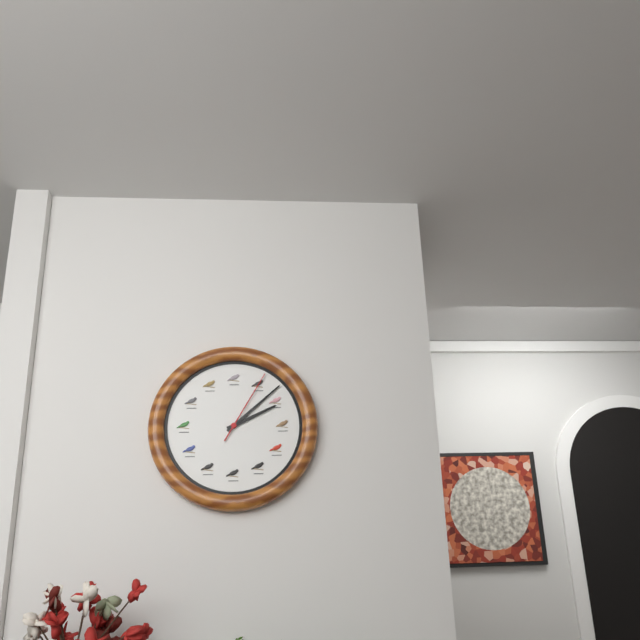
2:08:05
